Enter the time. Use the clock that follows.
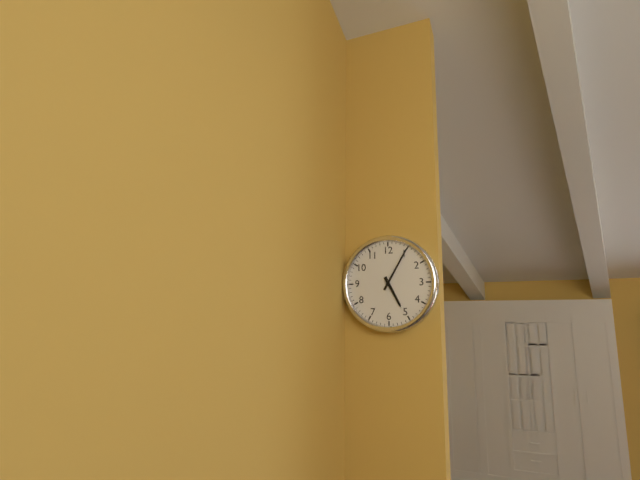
5:05
